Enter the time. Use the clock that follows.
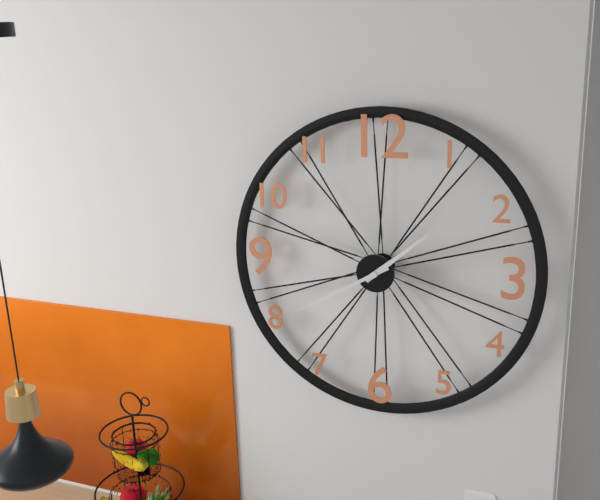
1:40
